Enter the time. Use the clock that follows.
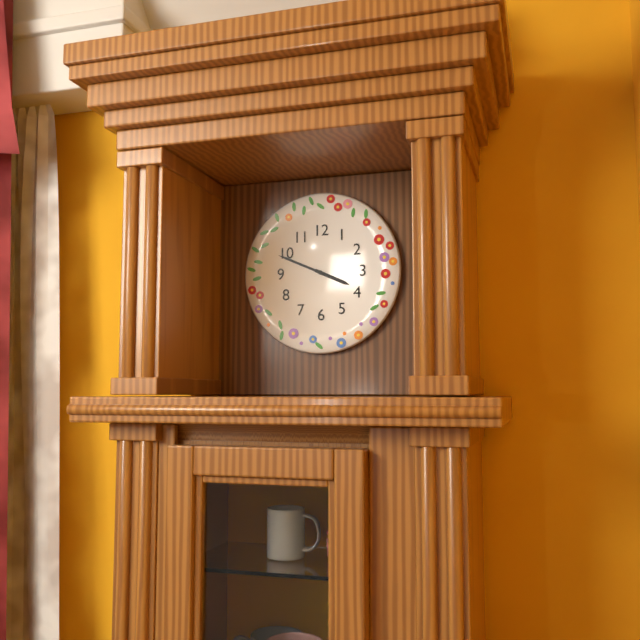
3:49
